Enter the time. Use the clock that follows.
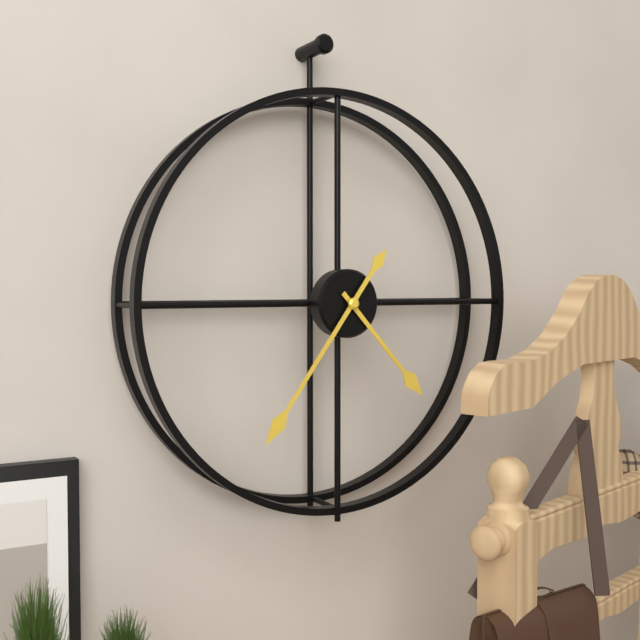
4:36
